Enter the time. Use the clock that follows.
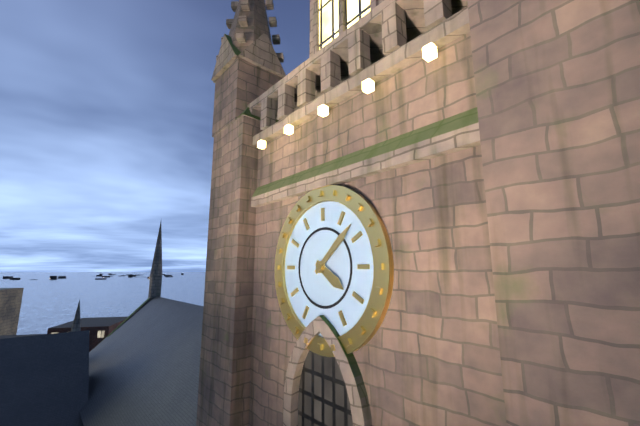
4:08
